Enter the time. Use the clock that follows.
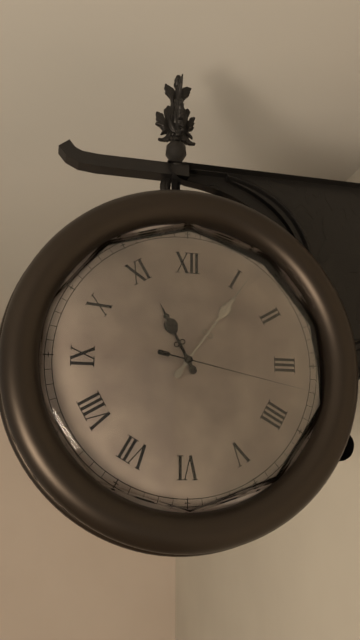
11:06:17
